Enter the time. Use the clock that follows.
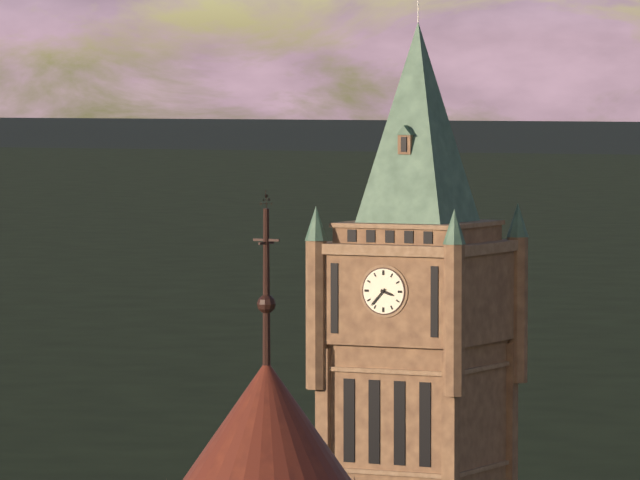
3:37
